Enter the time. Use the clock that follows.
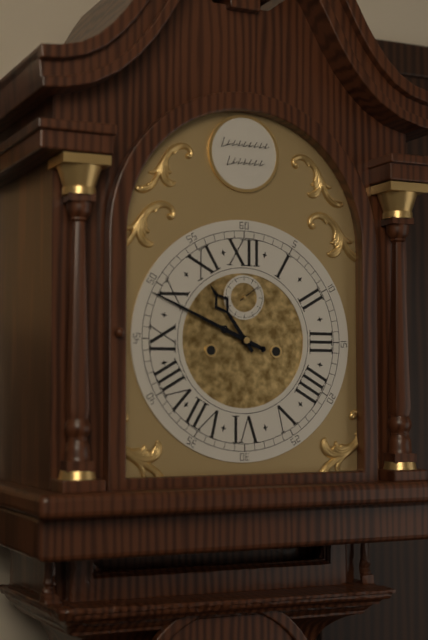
10:49:09
